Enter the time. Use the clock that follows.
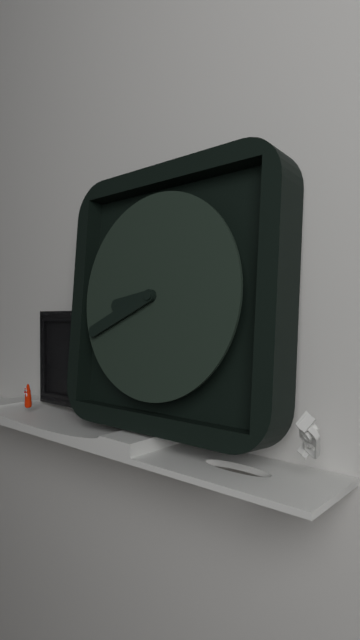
8:41
